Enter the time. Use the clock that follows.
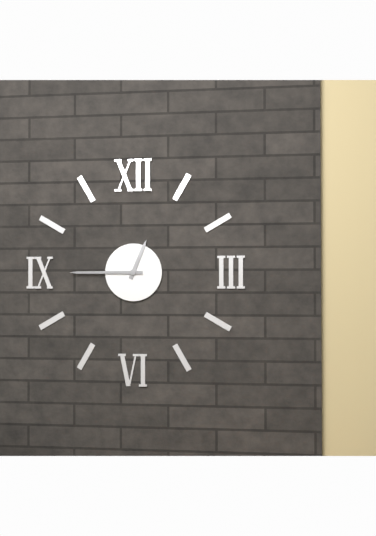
12:45
